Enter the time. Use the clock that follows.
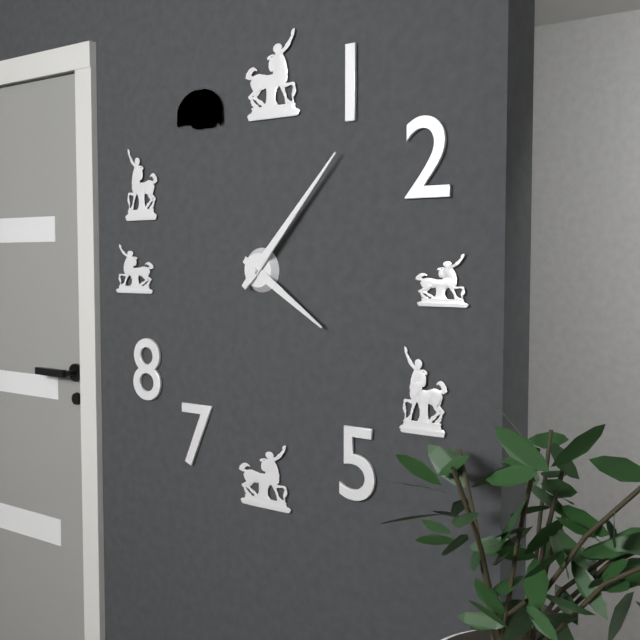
4:07
